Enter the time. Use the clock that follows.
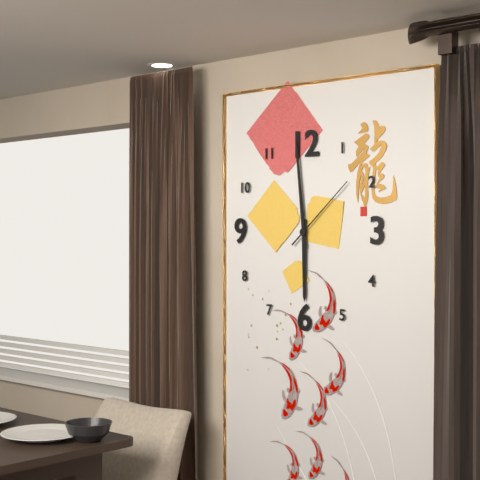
5:59:08
